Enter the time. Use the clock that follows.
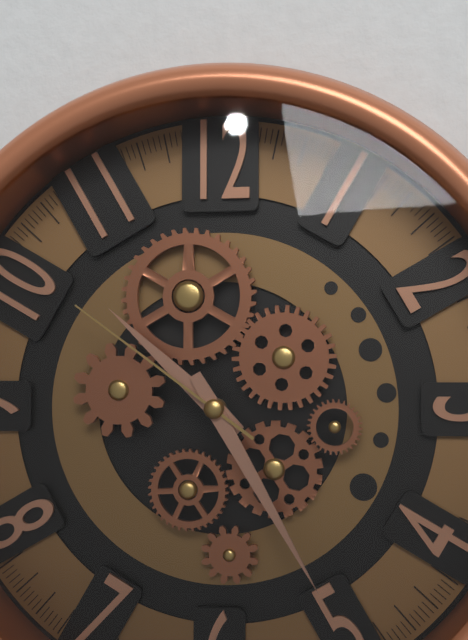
10:25:51
